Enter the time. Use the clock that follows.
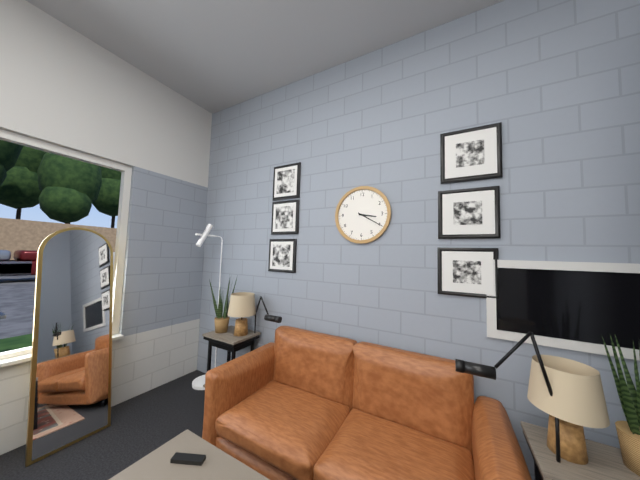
3:20
